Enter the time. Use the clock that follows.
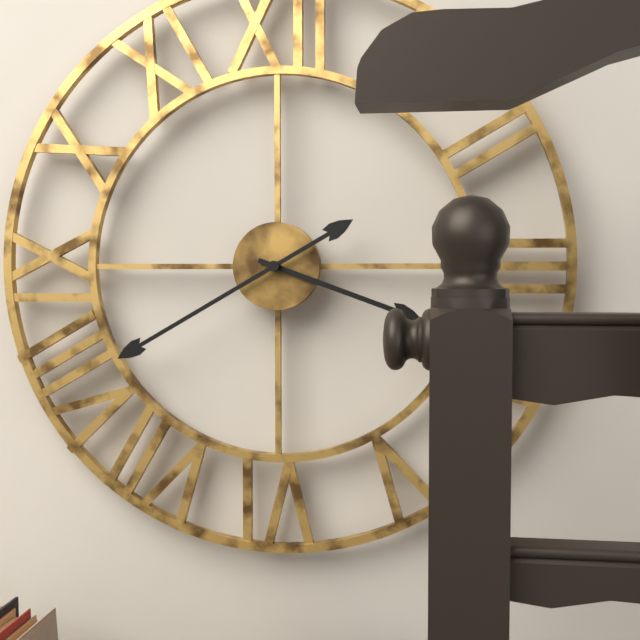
3:40
